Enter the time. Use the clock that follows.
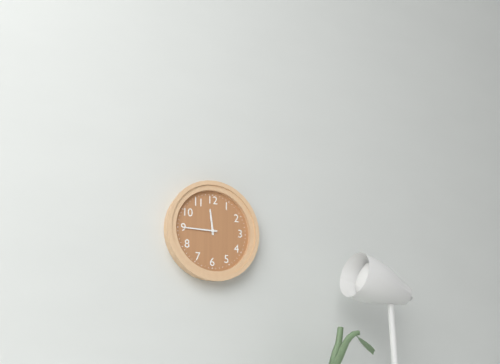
11:45
